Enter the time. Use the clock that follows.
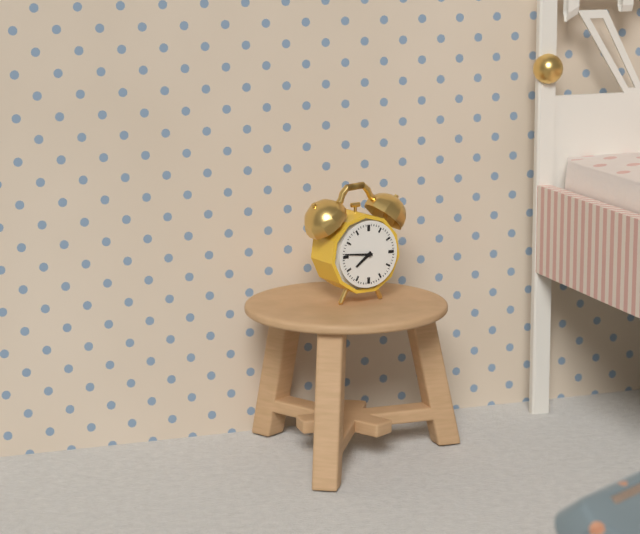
7:46
